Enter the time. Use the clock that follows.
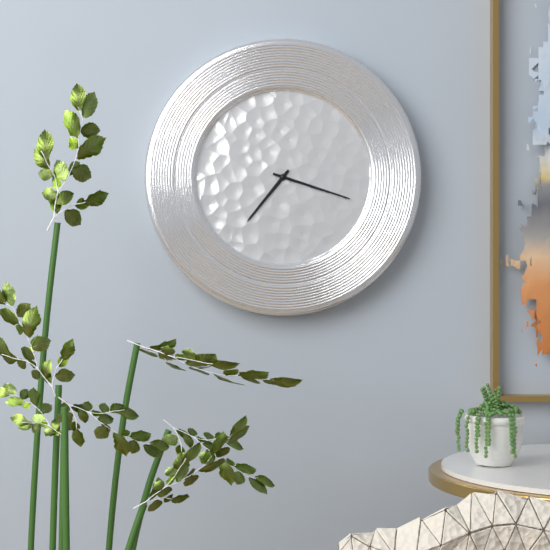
7:18
